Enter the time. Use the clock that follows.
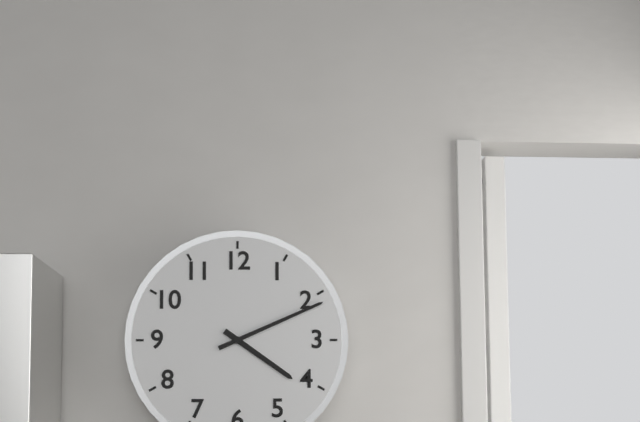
4:11
